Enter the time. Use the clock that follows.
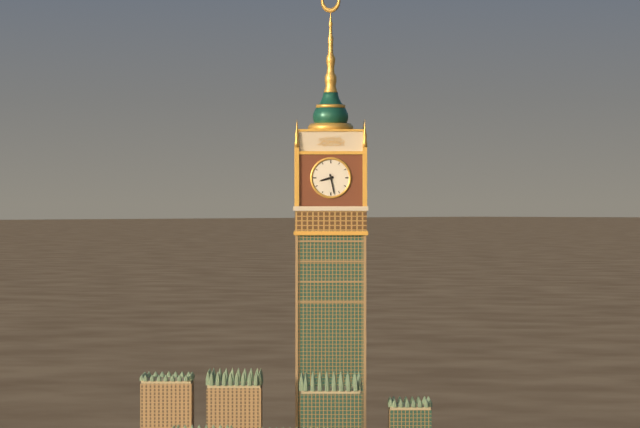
8:28
